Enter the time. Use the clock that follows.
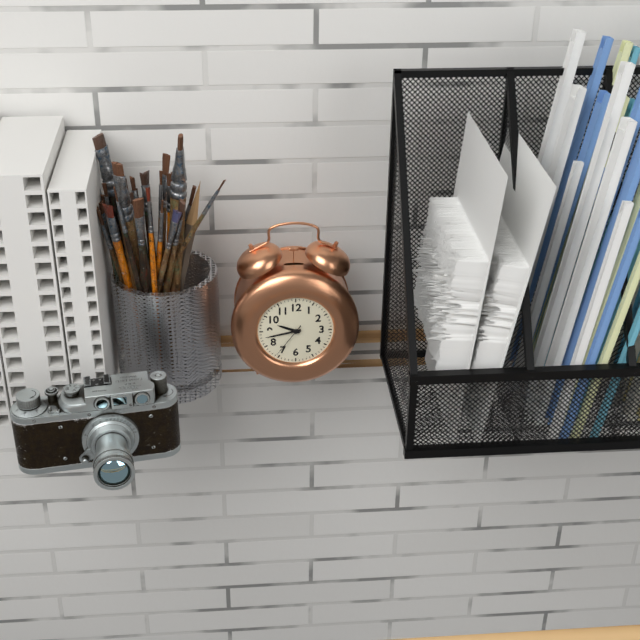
9:43
